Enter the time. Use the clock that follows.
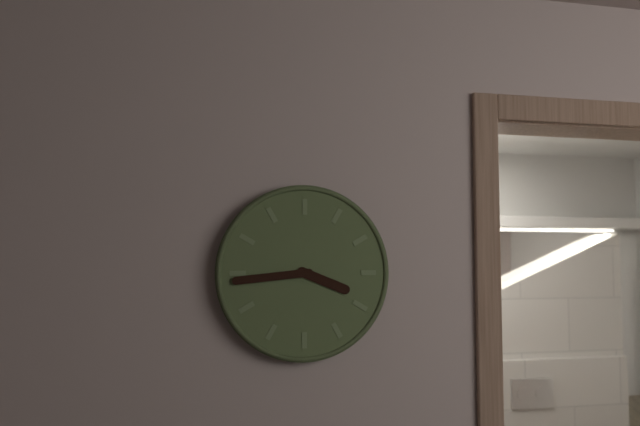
3:44
